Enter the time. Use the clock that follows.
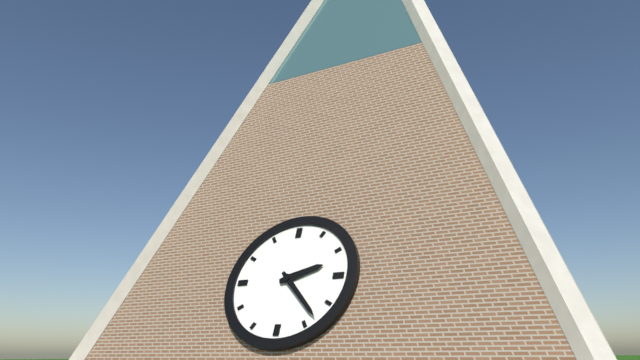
2:23
